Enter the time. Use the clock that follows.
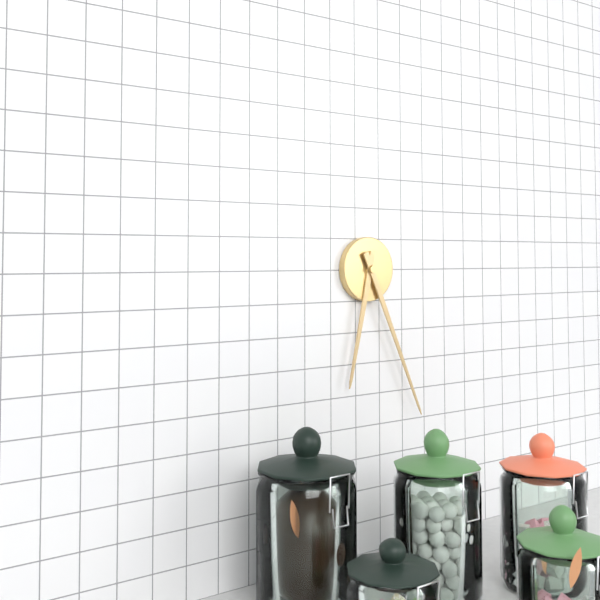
6:26
